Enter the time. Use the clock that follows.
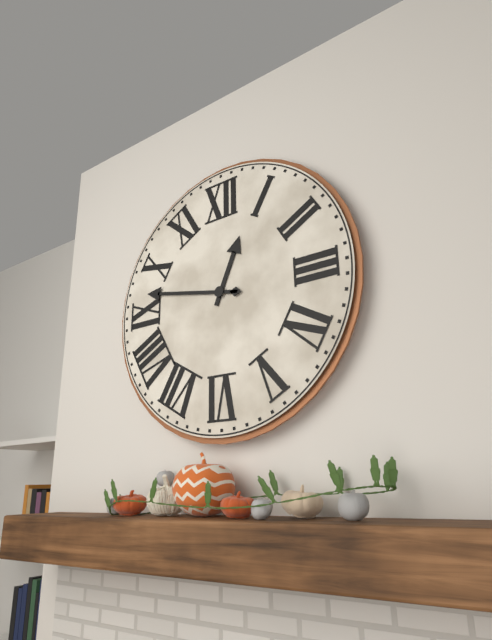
12:47
